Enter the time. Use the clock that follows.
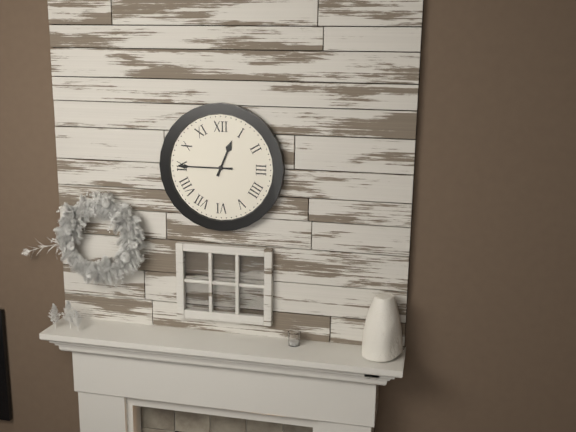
12:45
